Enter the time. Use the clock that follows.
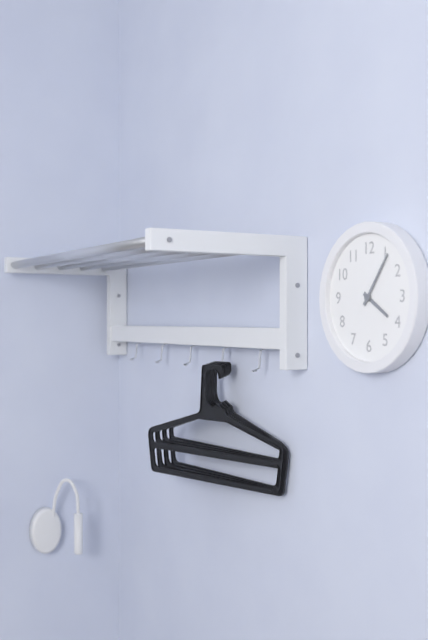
4:06
